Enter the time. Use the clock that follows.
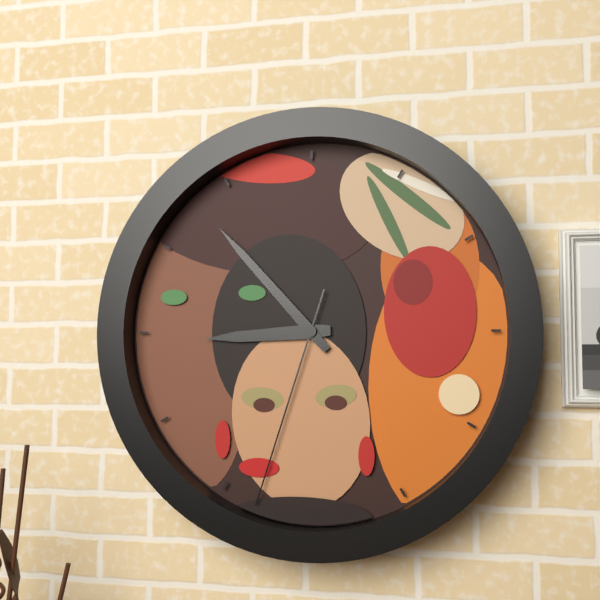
8:53:33
